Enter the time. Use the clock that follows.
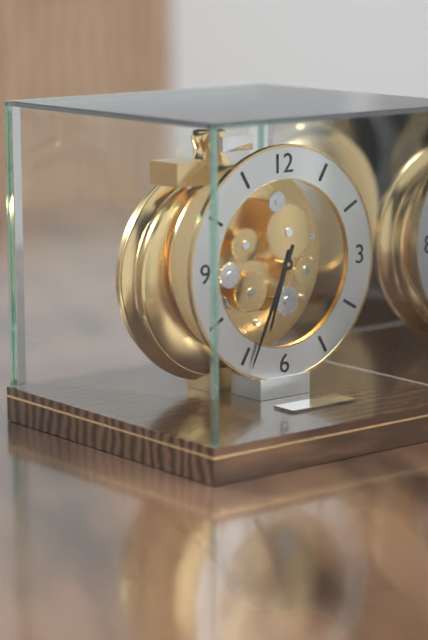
6:34
